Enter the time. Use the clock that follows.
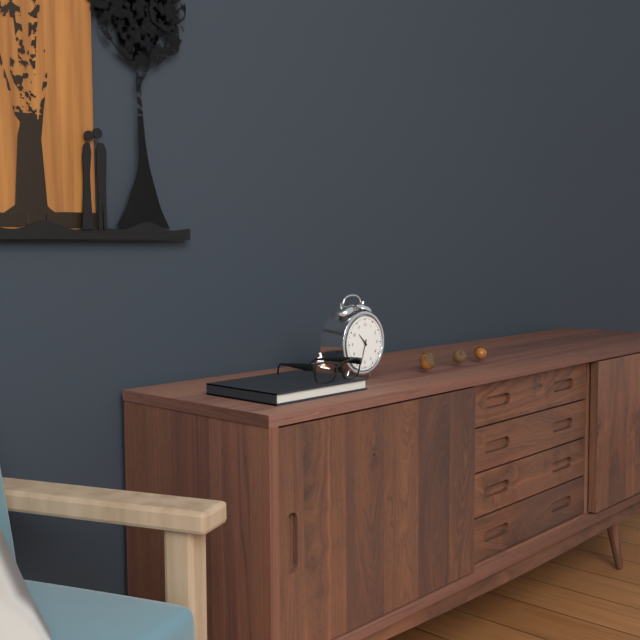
10:33
